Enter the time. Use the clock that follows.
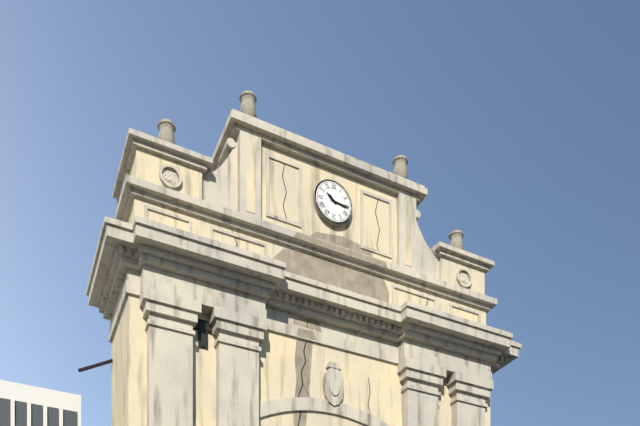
10:16
